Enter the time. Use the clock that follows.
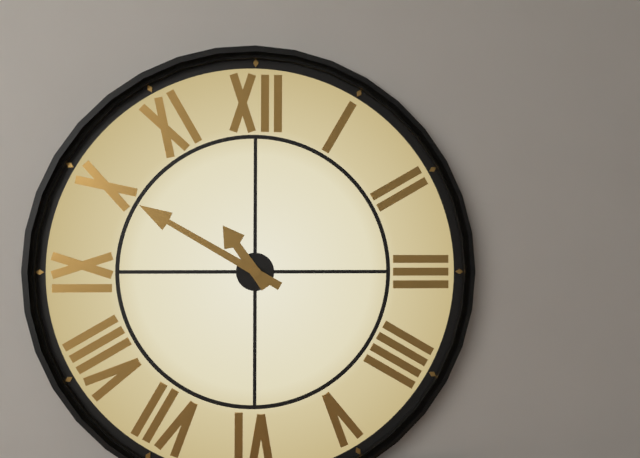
10:50
